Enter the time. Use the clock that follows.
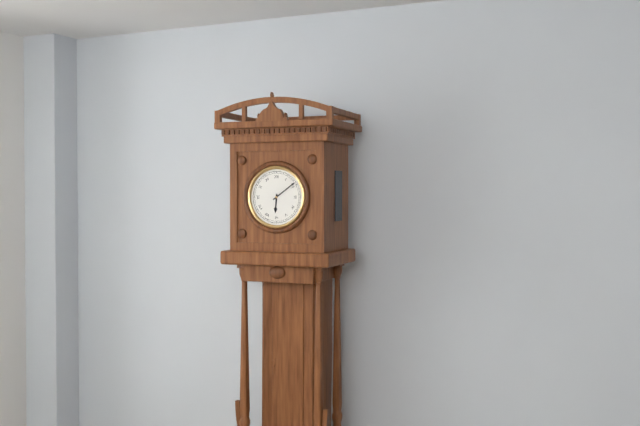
6:09
